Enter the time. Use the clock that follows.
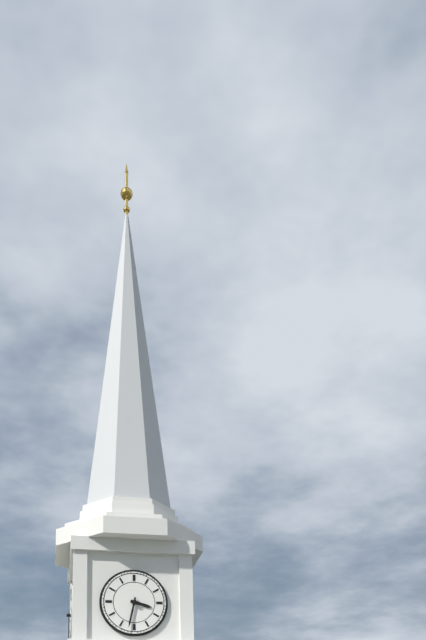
3:32
